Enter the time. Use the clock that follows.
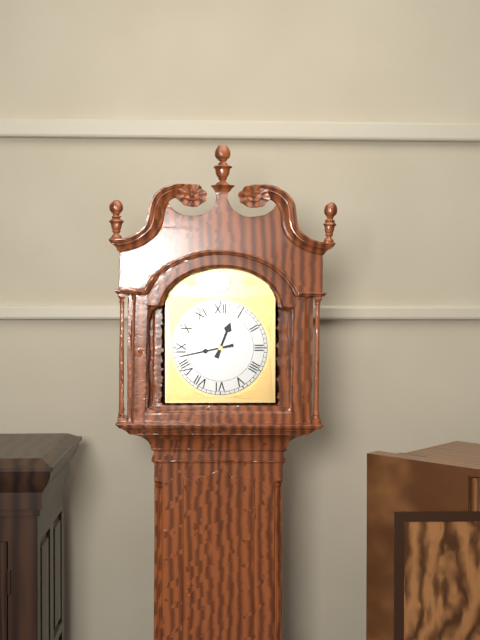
12:43
